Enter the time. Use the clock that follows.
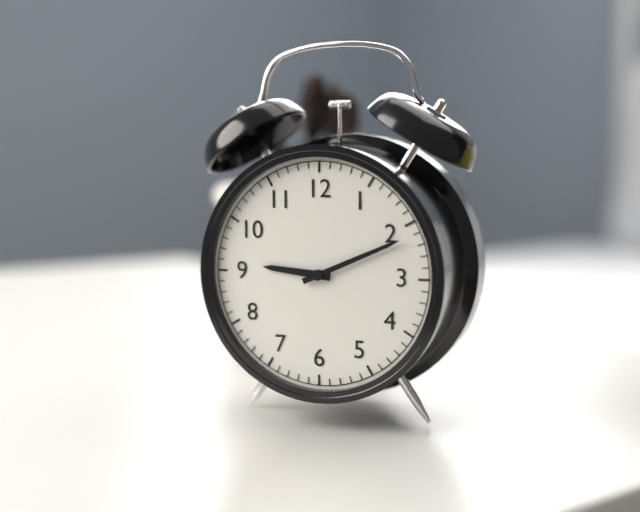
9:11
